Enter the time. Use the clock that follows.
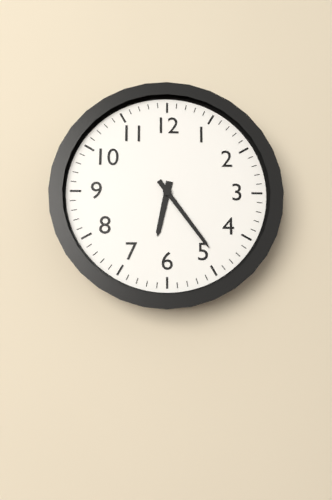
6:24
